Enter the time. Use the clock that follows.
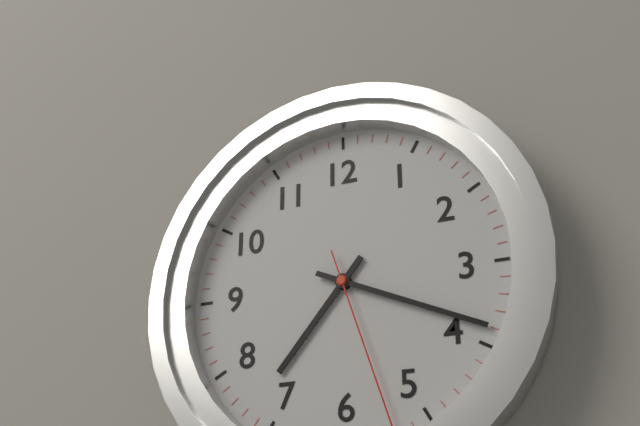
7:19
